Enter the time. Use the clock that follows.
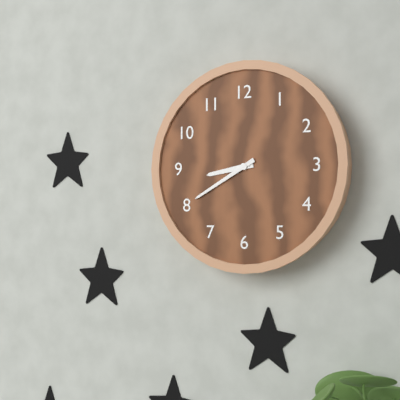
8:40
